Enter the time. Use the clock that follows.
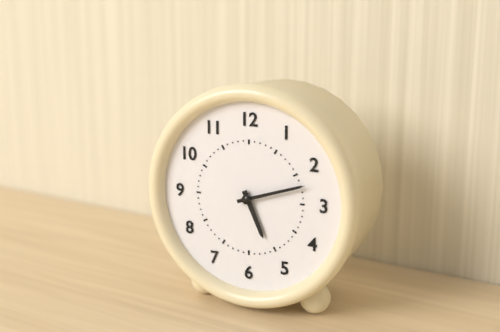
5:12
